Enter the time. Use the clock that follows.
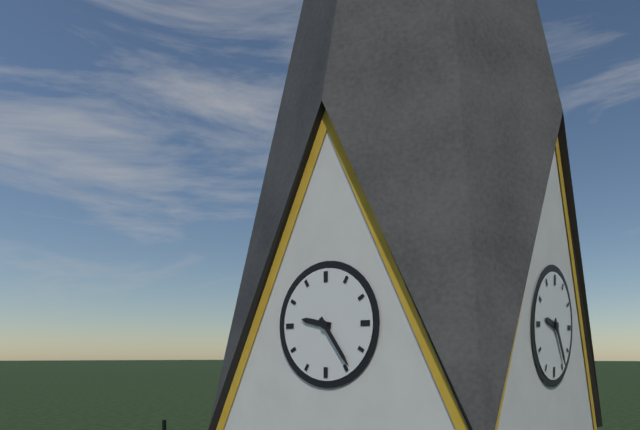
9:24
